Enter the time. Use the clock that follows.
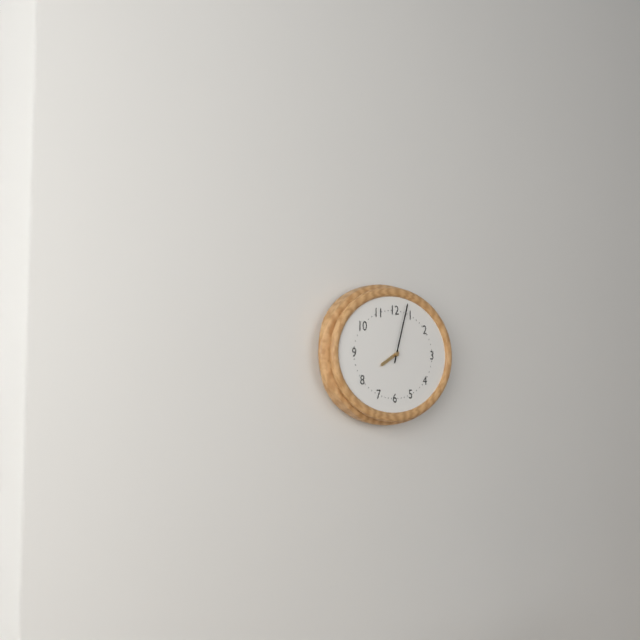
8:03
